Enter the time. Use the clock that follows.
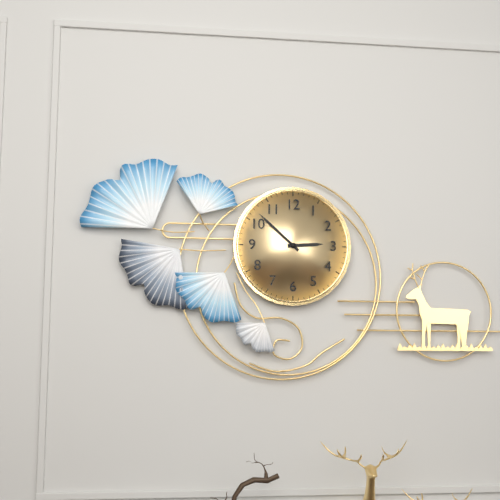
2:52
